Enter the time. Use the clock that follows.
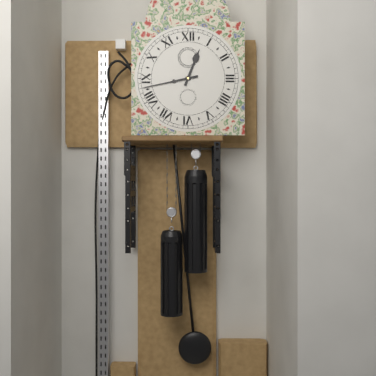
12:43
